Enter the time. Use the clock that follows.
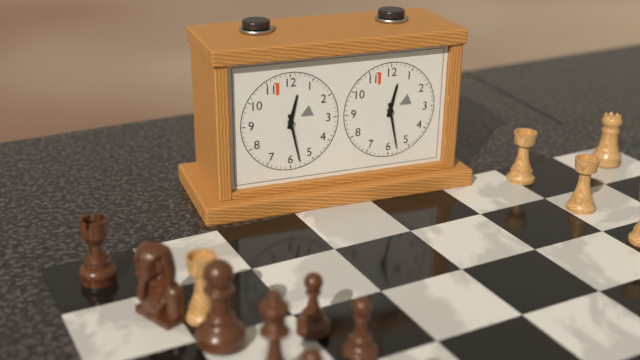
12:28
